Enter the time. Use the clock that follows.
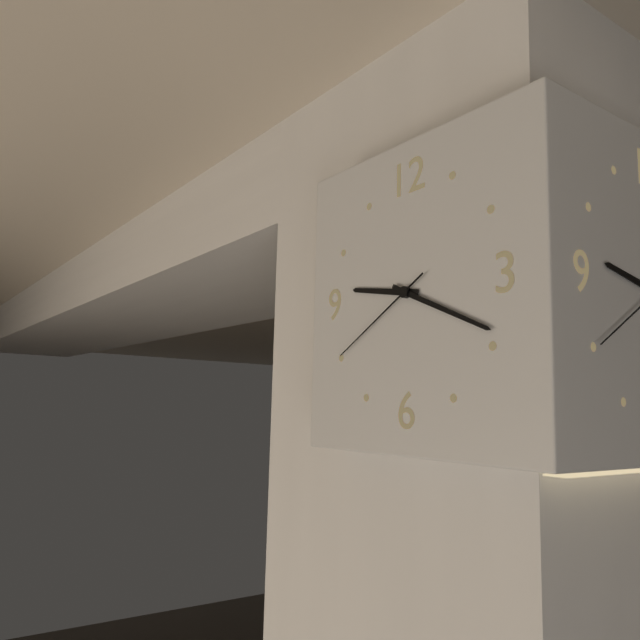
9:19:40
